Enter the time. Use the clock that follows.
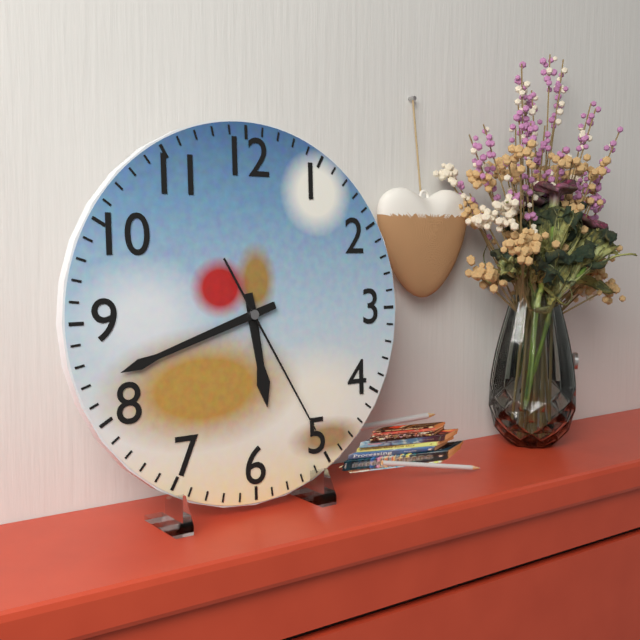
5:42:25
